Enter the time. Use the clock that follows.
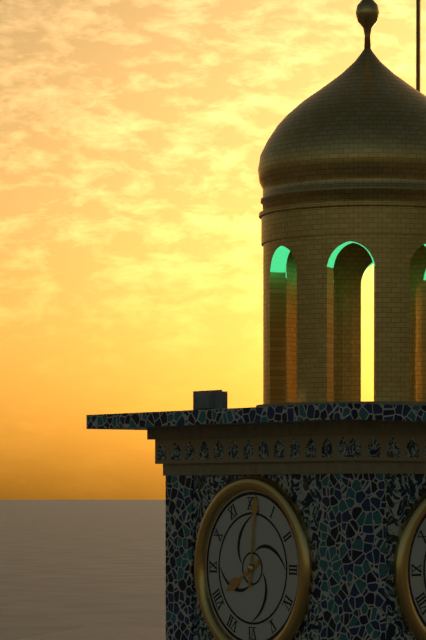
8:01
